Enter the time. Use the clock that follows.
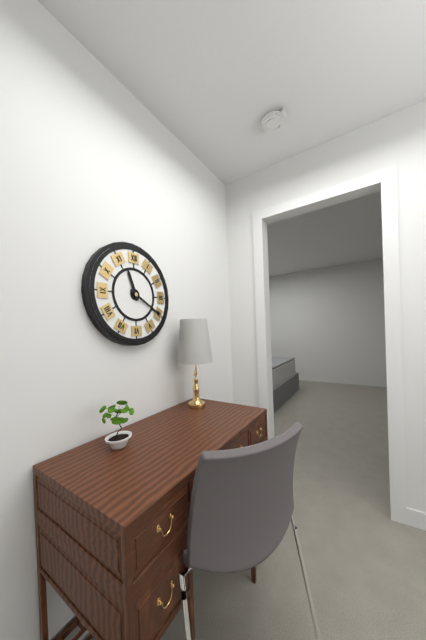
11:20
